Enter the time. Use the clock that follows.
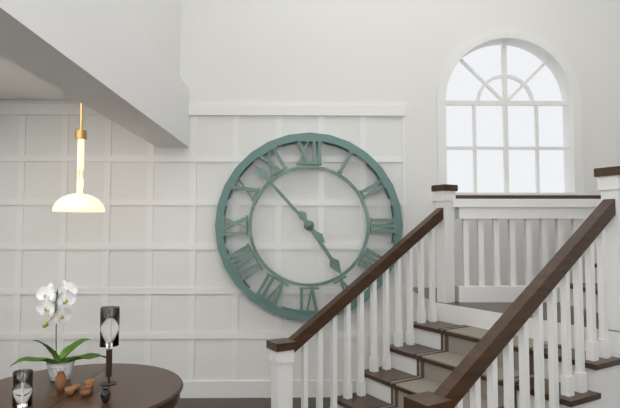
4:53
